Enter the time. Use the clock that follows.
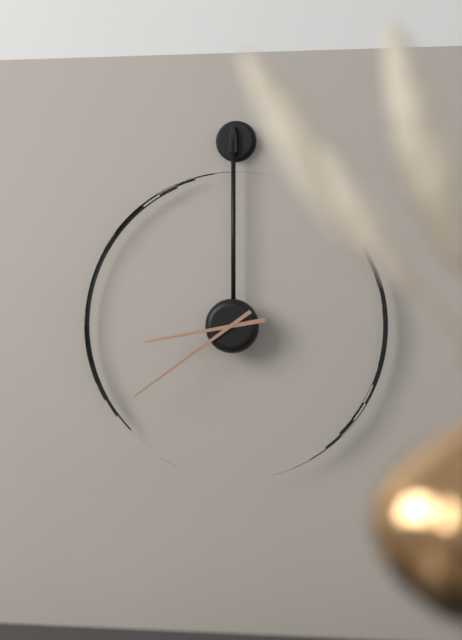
8:39
